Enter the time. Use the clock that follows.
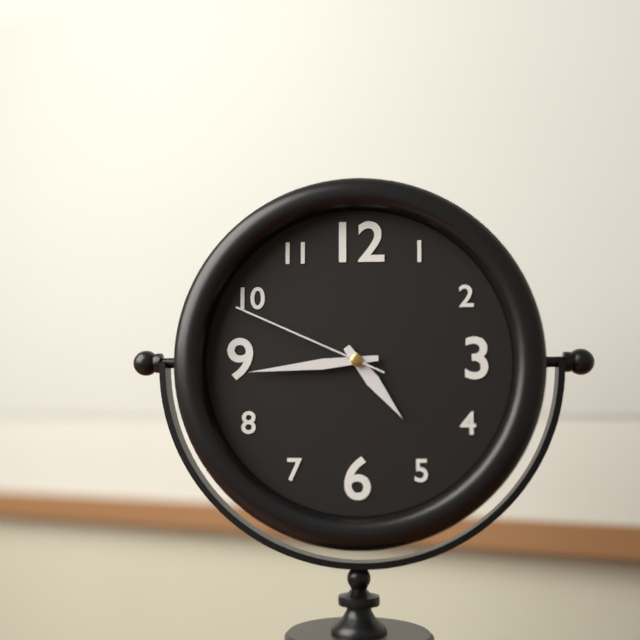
4:44:49
